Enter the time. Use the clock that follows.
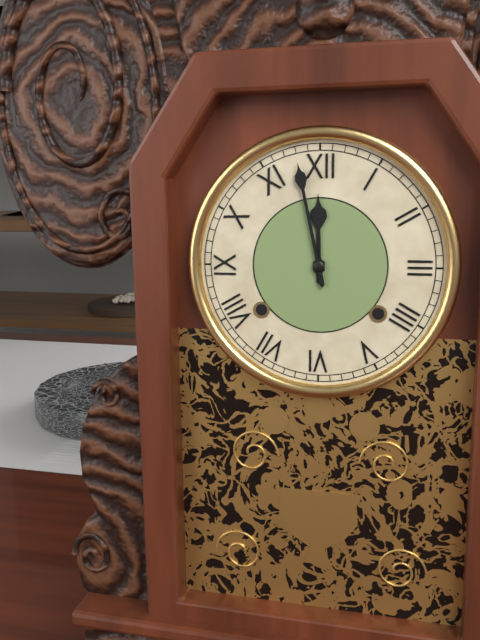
11:58
